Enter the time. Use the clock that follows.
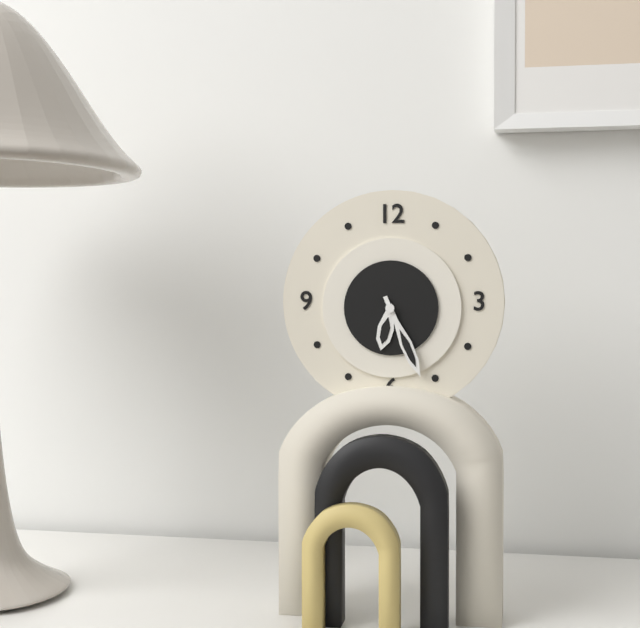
6:26
